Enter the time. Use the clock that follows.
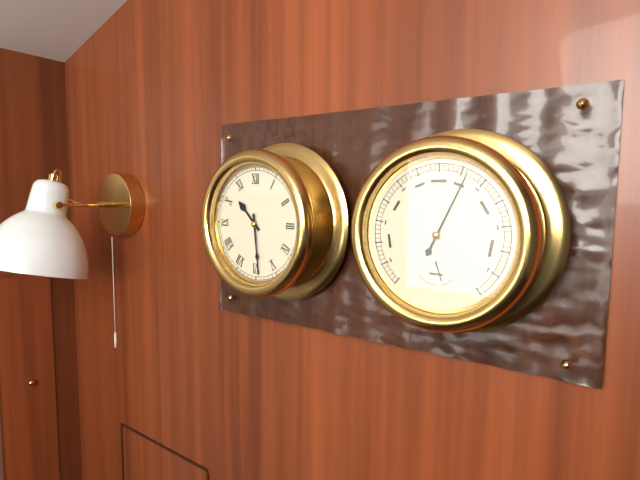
10:29
